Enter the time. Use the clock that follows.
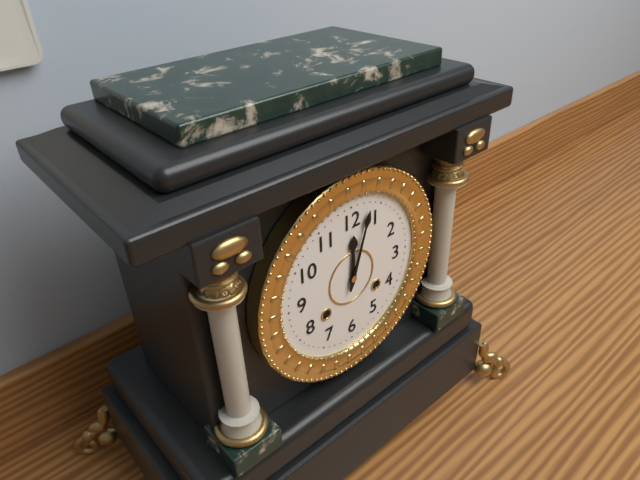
12:03
